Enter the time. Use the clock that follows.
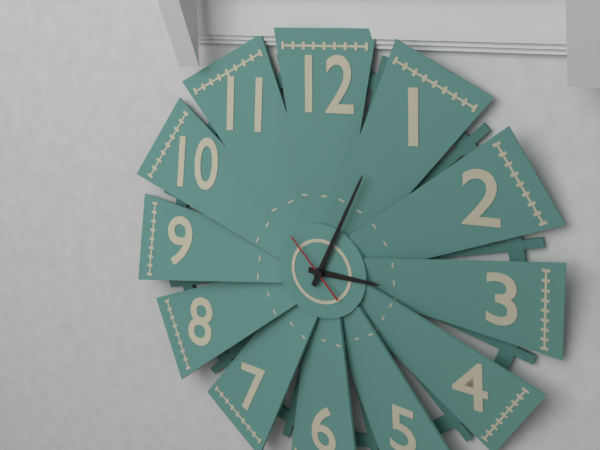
3:04:53
